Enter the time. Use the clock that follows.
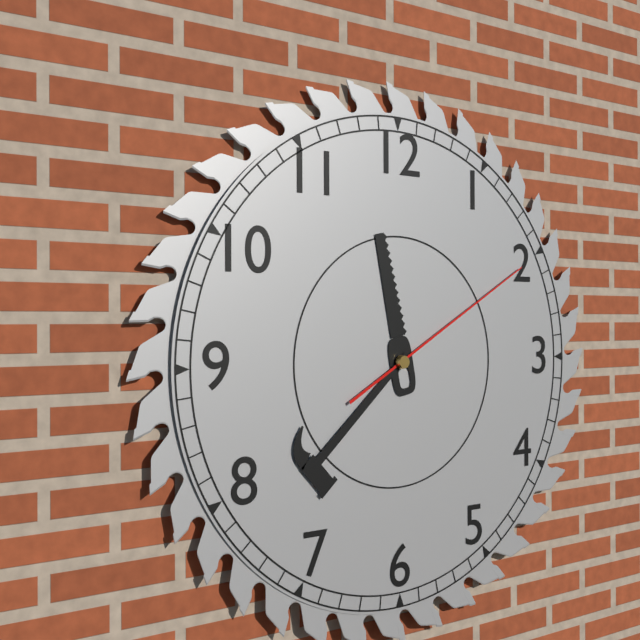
11:38:10
